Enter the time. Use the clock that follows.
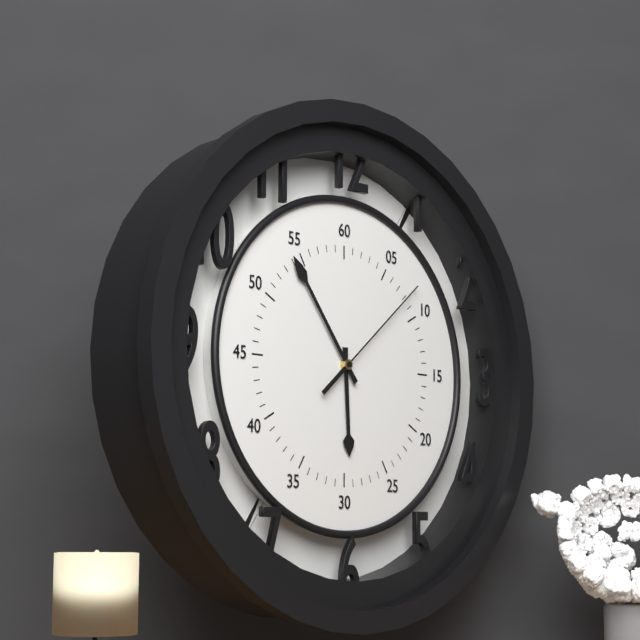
5:54:08
